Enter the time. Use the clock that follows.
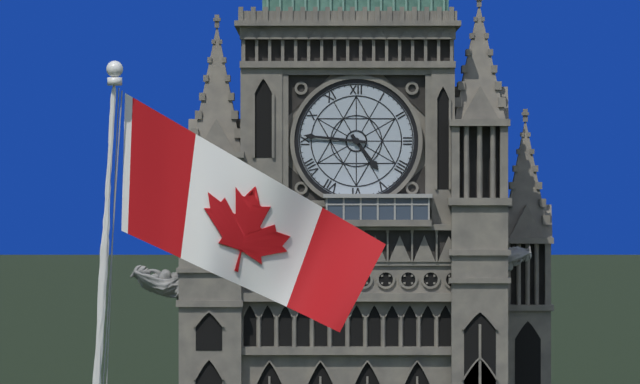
4:46
